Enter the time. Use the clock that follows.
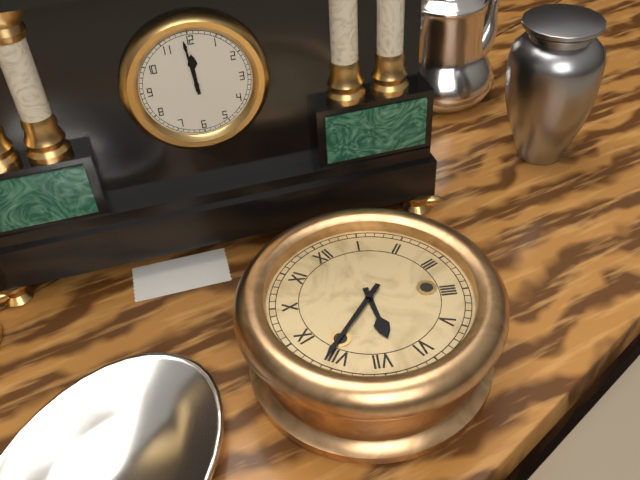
6:41
